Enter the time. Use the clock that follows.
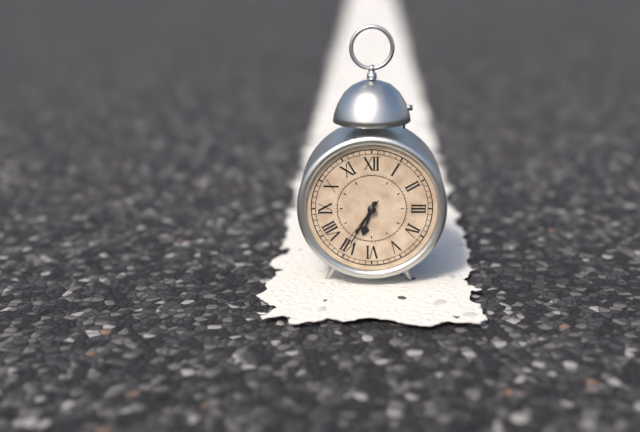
6:35:36
